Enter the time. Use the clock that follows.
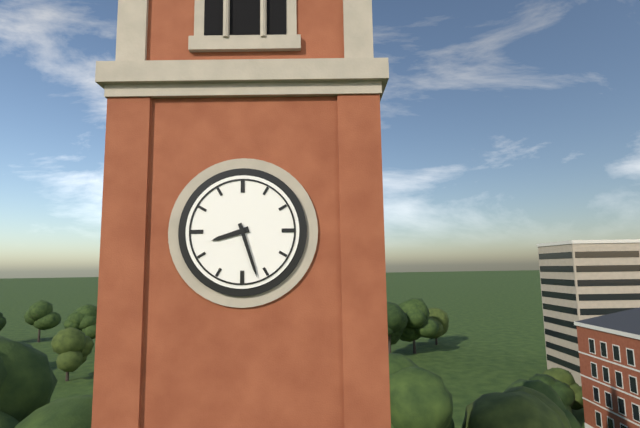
8:27
